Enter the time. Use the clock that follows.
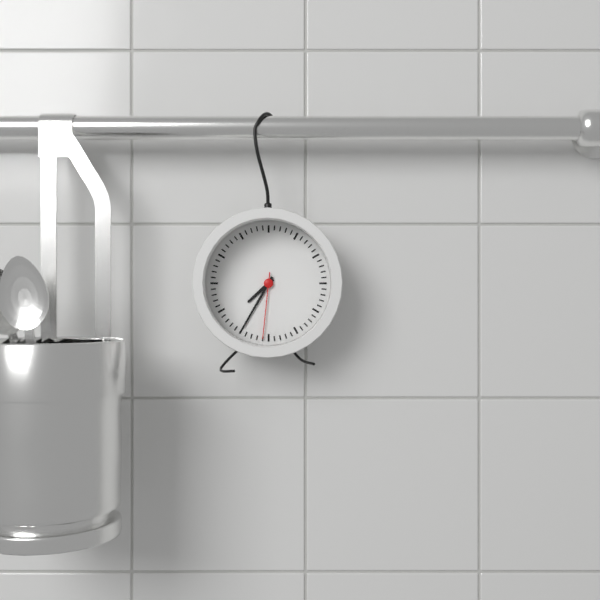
7:35:31
